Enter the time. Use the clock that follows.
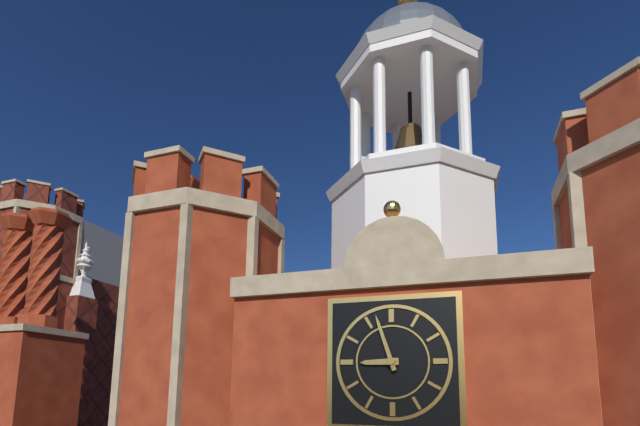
8:57
